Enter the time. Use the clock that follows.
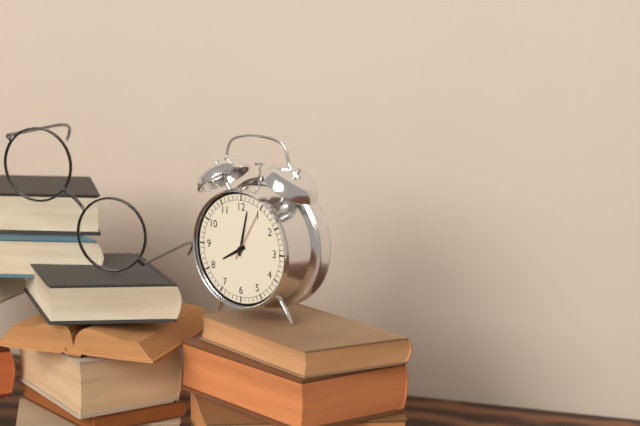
8:02:05
